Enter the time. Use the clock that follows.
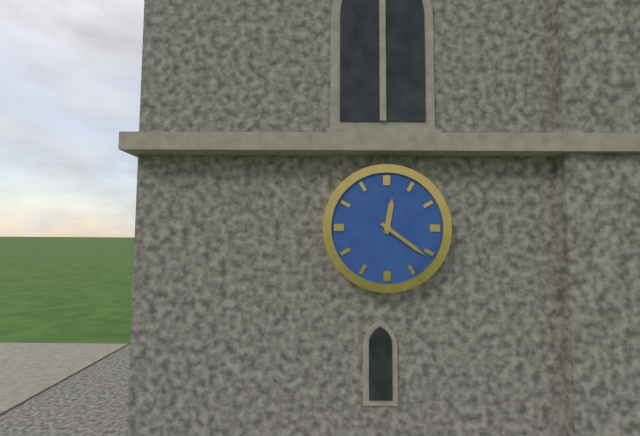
12:21
